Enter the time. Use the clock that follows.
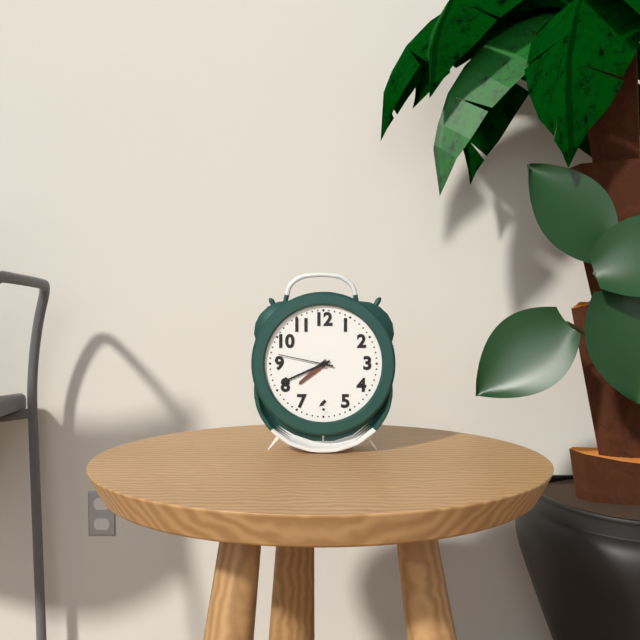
7:41:47
